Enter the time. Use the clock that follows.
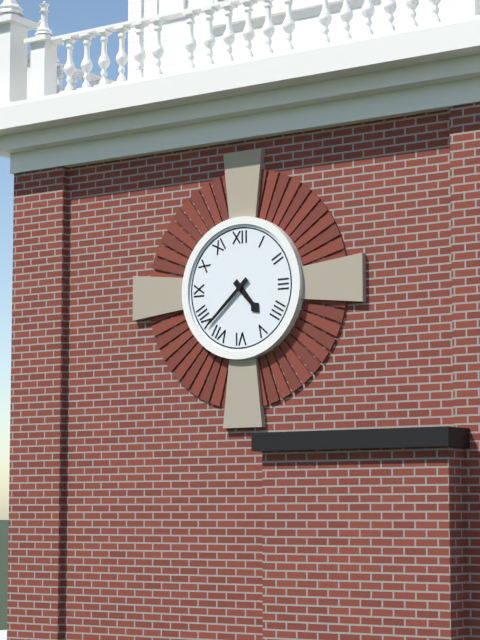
4:38
